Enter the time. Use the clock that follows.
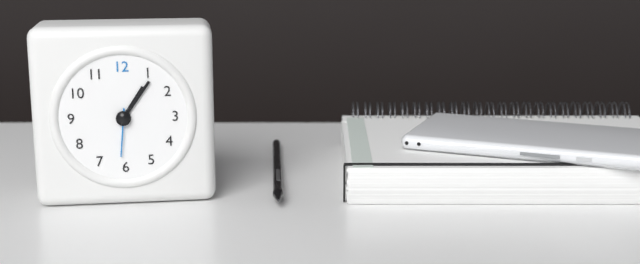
1:06
